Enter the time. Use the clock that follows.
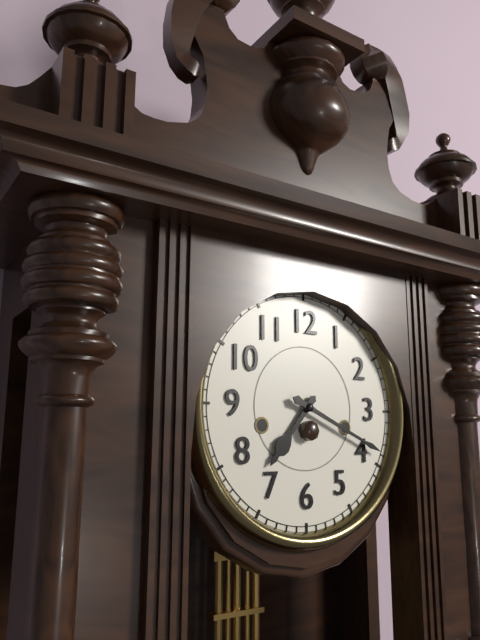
7:19
